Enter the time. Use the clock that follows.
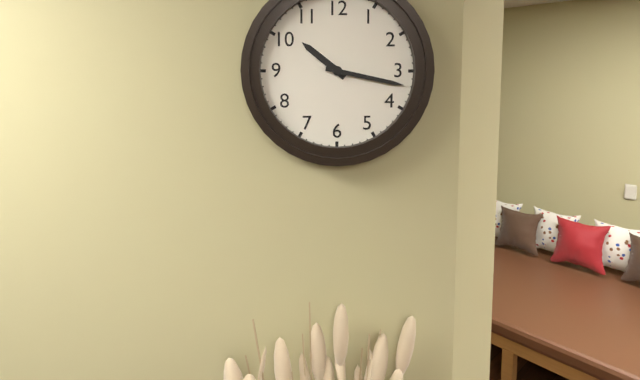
10:17
